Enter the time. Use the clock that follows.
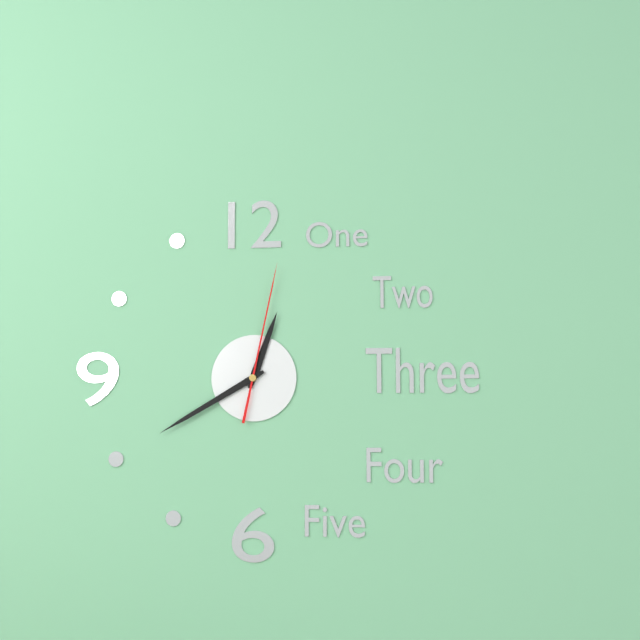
12:40:02
